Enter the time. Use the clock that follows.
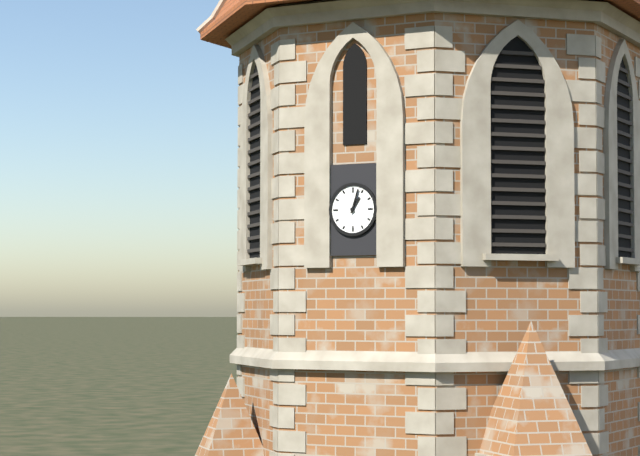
1:03
